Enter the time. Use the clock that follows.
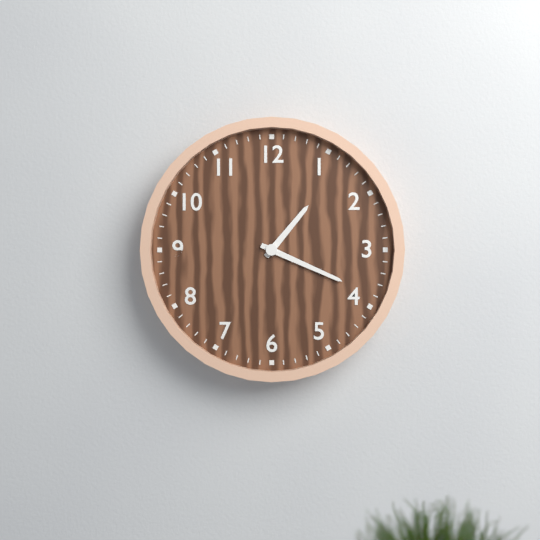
1:19
